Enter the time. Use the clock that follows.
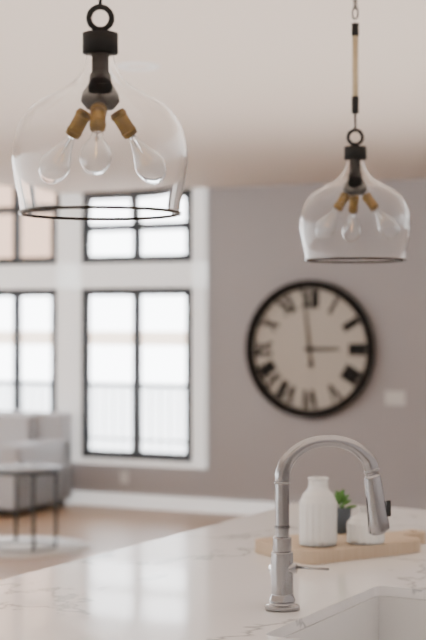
2:59
